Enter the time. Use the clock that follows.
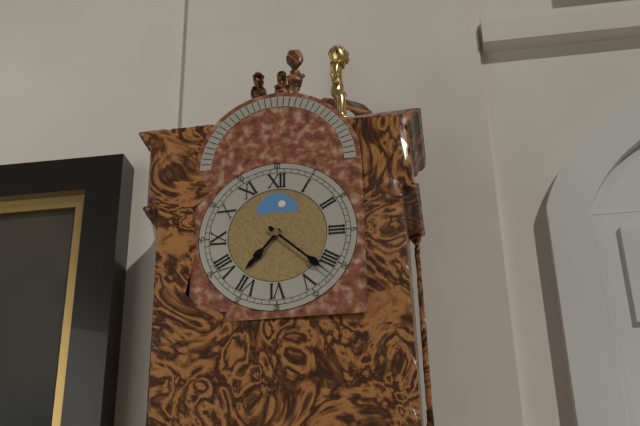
7:22
